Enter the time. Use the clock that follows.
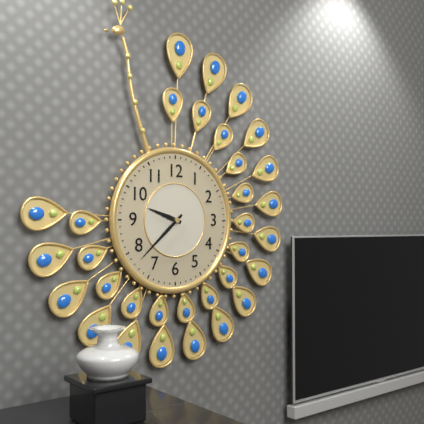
9:38
